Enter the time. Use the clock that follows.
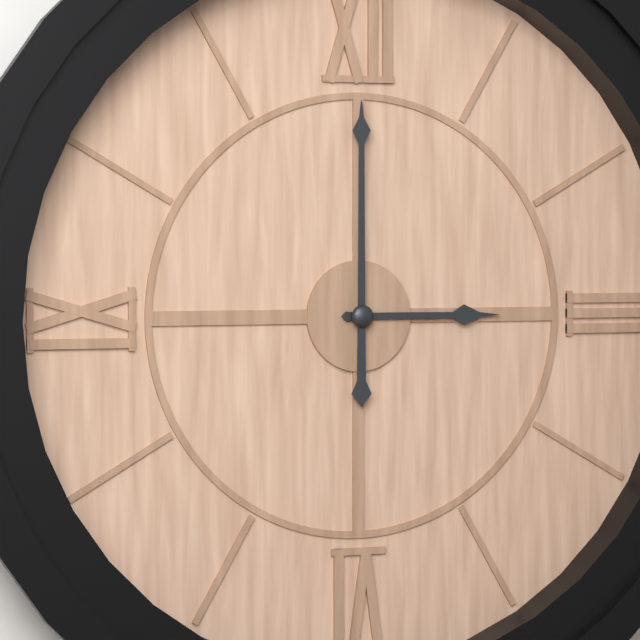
3:00
